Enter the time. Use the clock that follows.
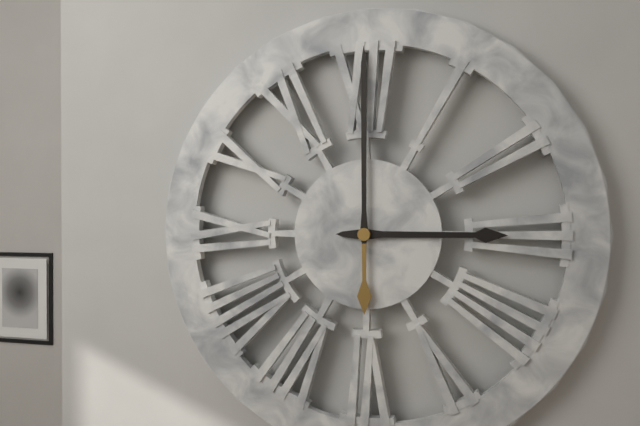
3:00
